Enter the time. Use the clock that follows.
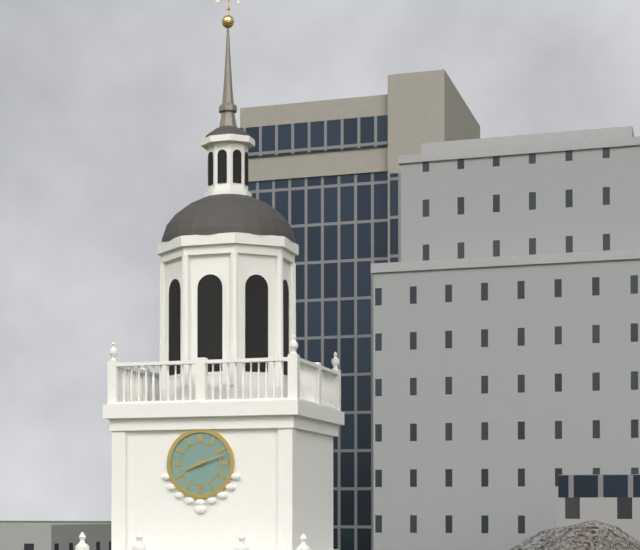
8:12
